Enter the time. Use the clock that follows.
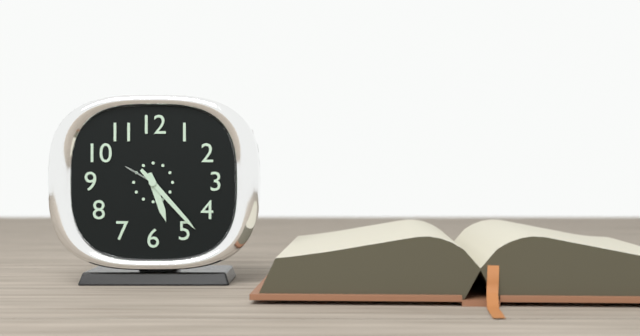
5:23
